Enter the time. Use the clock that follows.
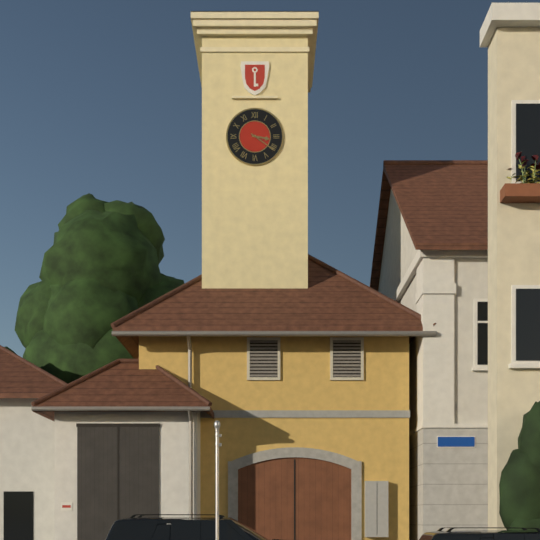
3:21
